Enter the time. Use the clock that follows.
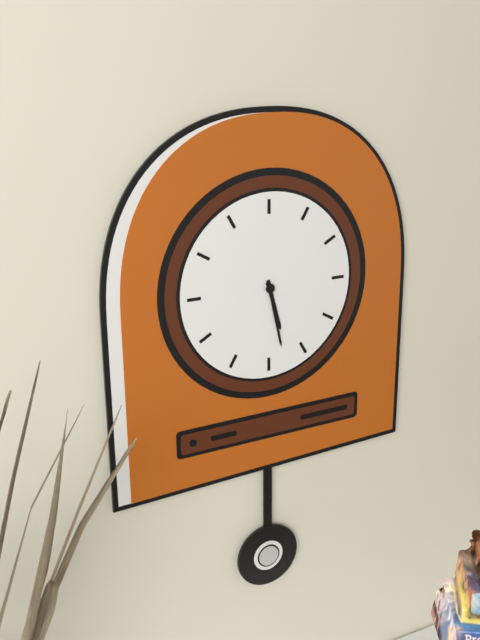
5:28
